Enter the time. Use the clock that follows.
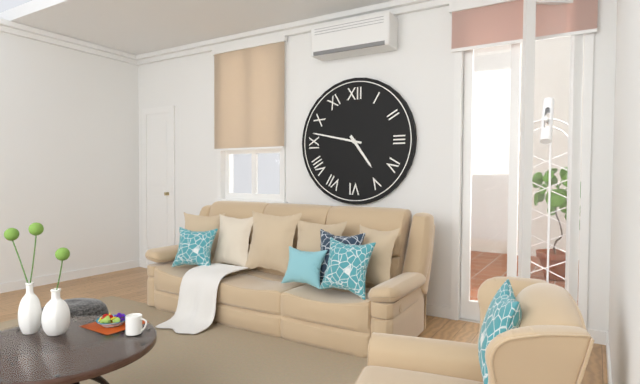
4:47
